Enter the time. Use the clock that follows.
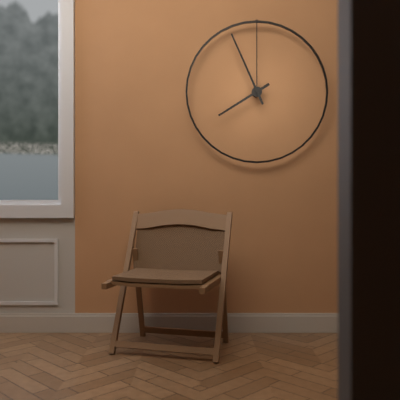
7:56
